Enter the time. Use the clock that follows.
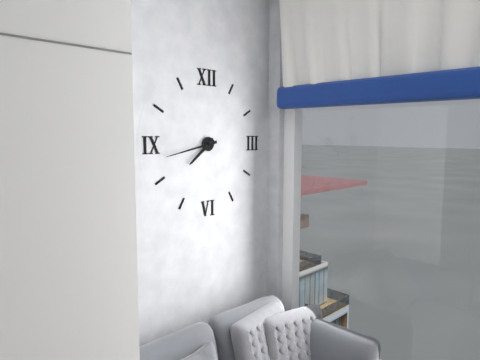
7:43
